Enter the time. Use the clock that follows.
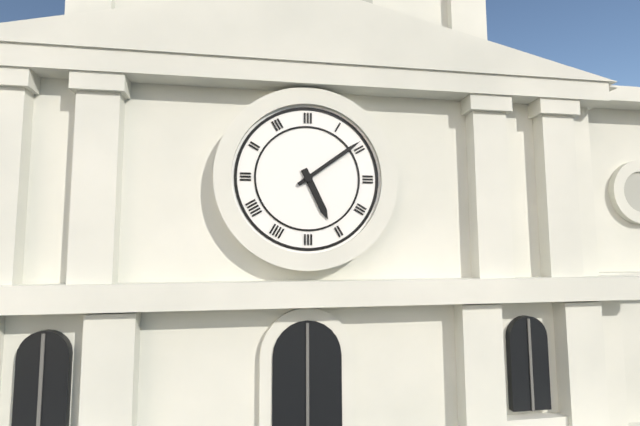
5:09
